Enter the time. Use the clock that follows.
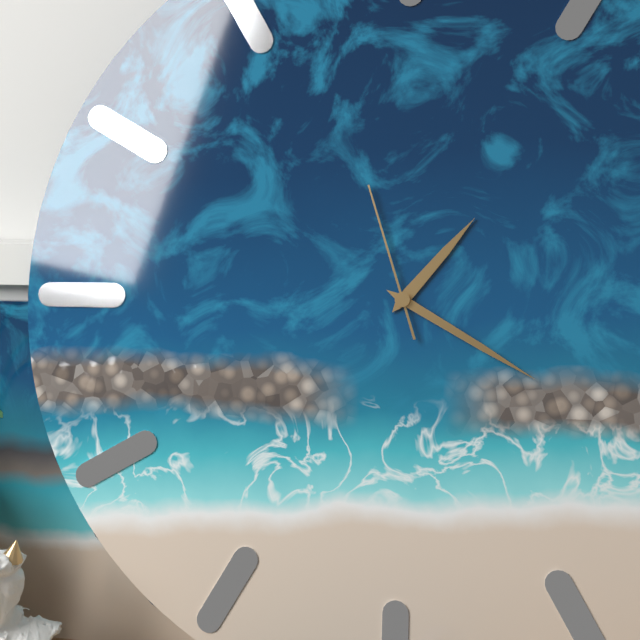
1:20:57
